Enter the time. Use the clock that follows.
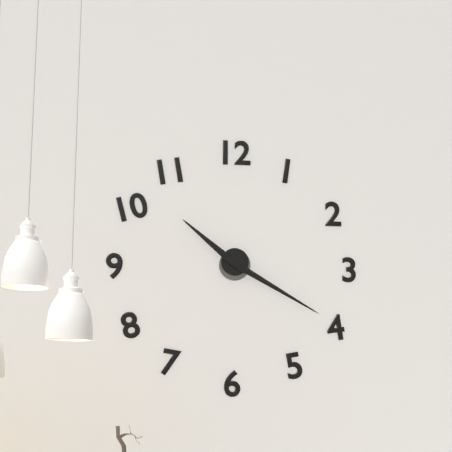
10:20
